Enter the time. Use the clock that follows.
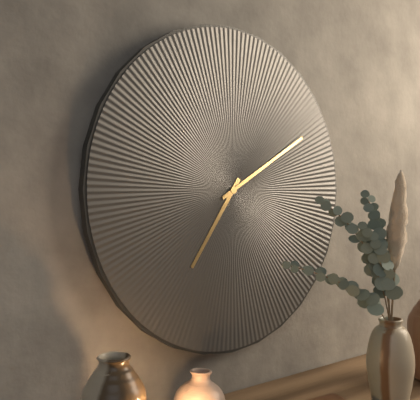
7:10
